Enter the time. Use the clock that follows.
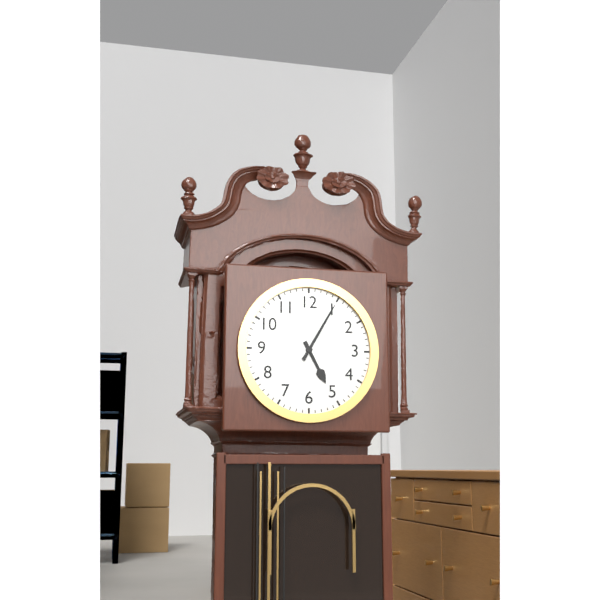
5:05
